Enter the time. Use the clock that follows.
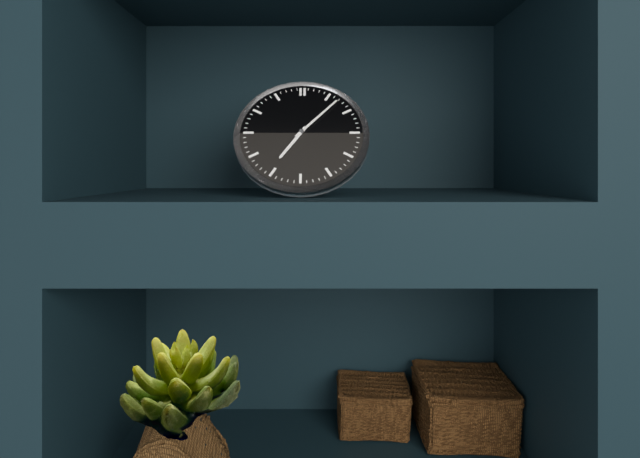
7:07
